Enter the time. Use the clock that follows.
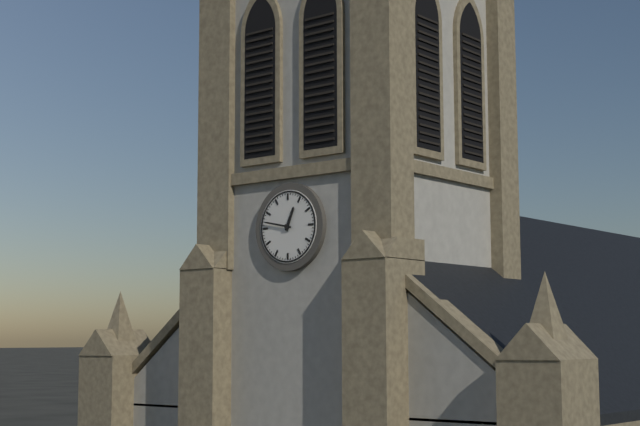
12:47
